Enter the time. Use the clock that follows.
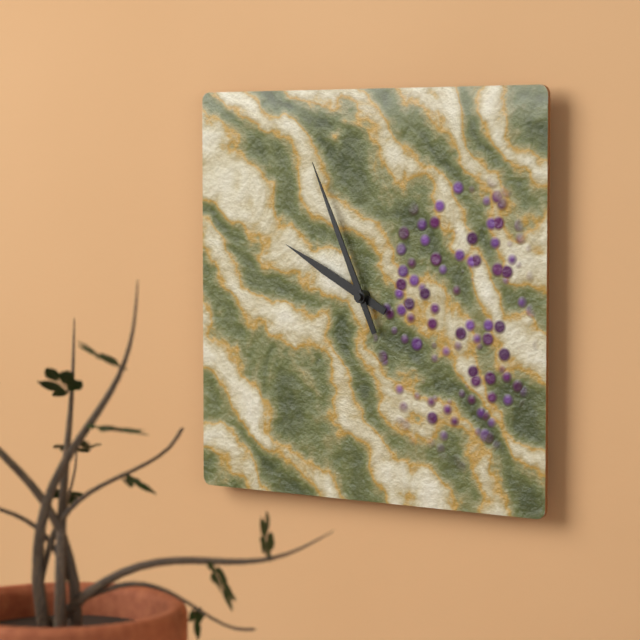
9:56
